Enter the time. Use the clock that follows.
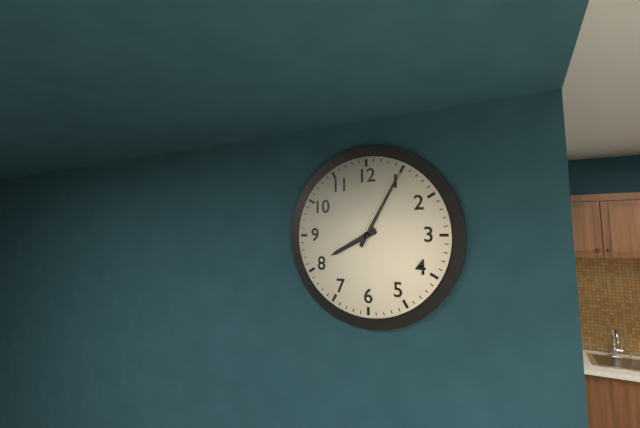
8:05
